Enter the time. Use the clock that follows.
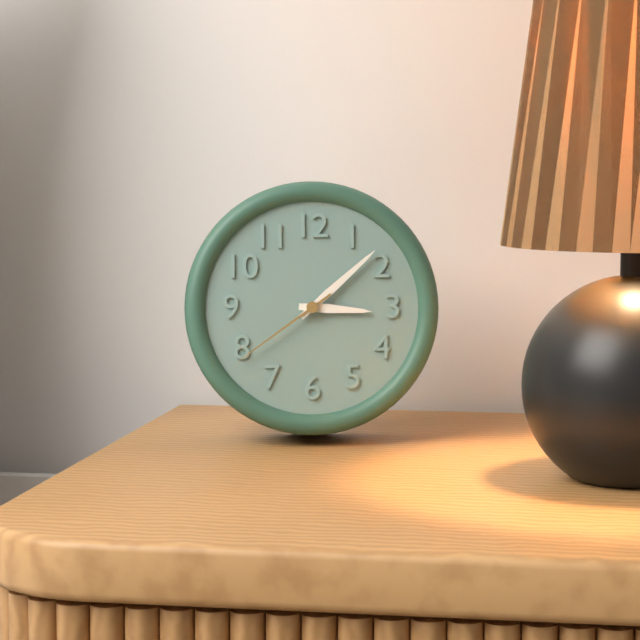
3:08:39
